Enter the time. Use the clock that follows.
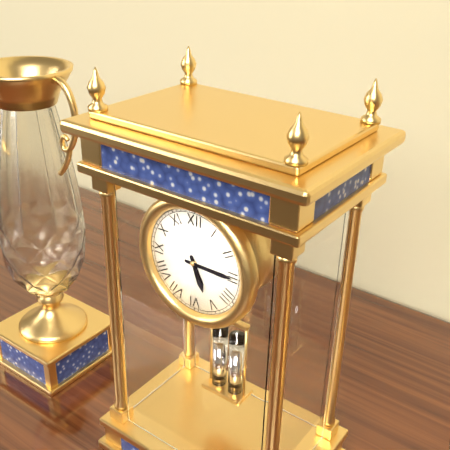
5:15
